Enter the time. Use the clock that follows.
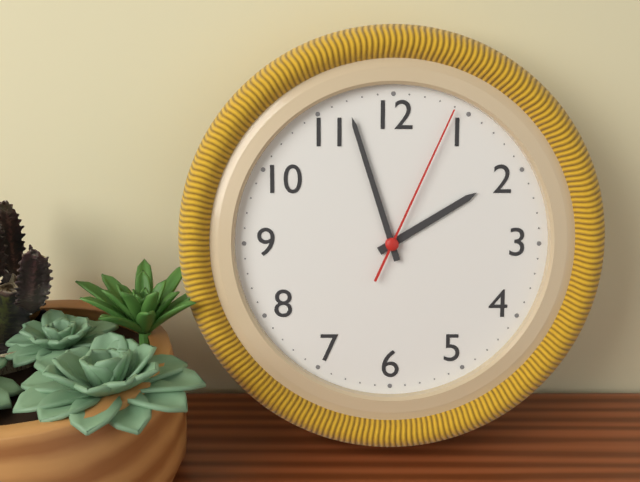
1:57:04
